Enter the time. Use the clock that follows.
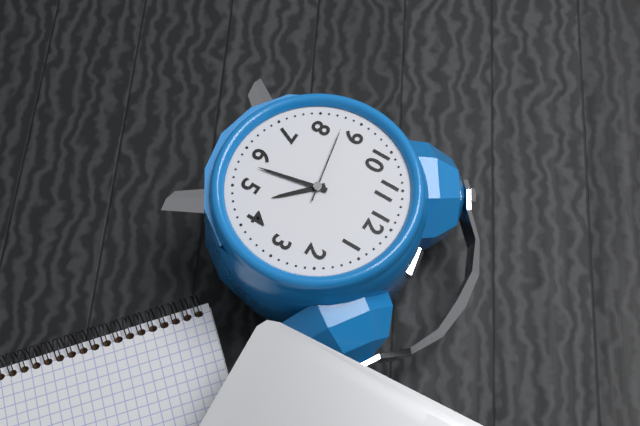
4:28:43
